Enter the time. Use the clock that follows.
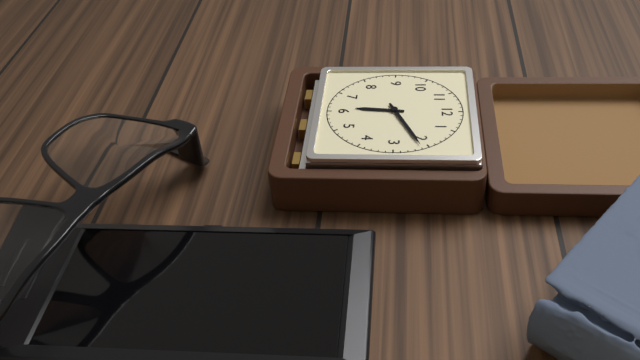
6:11
